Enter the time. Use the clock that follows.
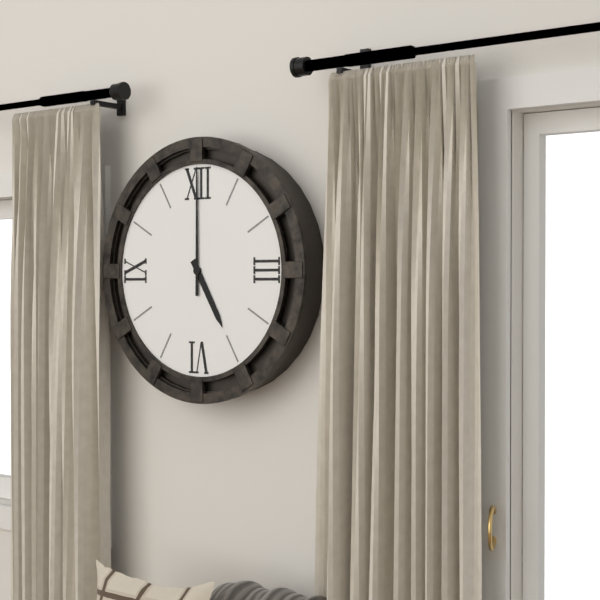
5:00
